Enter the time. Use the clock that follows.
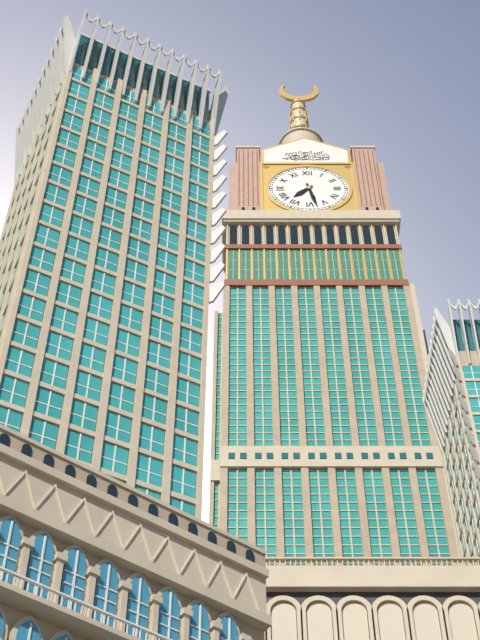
7:28
